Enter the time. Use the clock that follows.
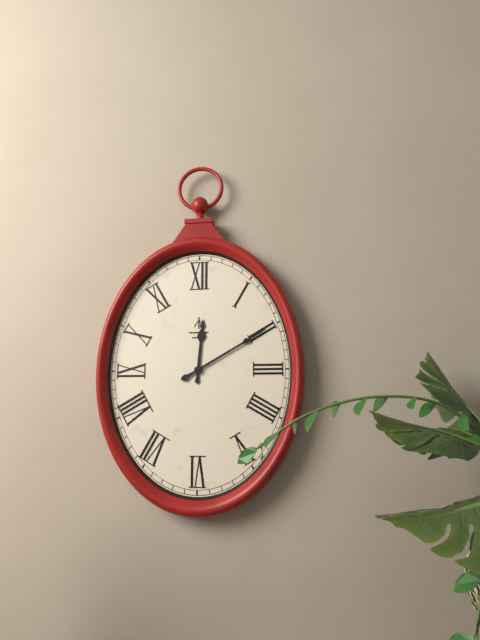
12:10
